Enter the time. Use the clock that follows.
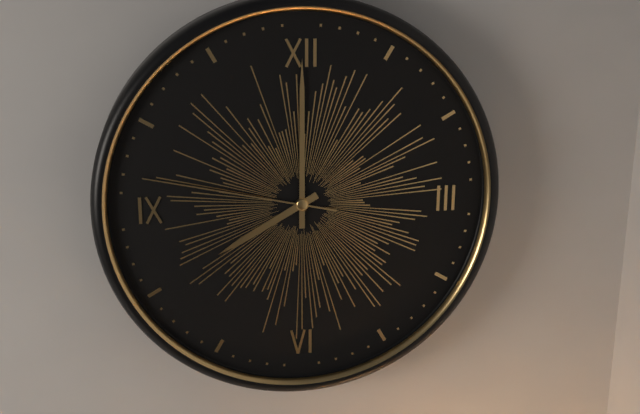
8:00:47
